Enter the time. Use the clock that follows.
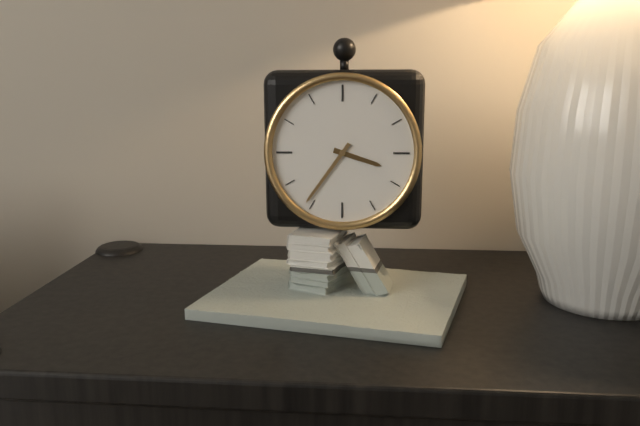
3:36
